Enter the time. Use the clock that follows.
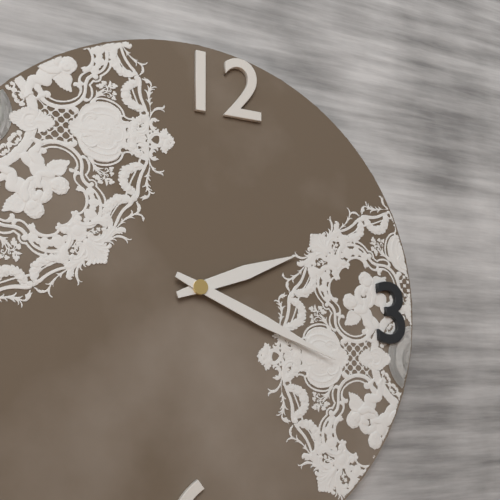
2:19
